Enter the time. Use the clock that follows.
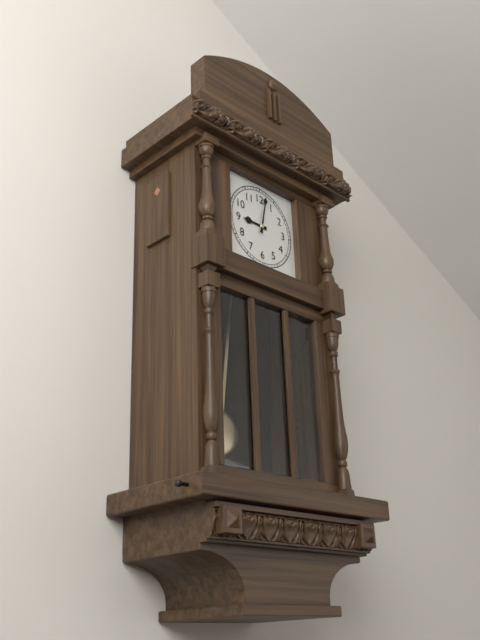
9:02
